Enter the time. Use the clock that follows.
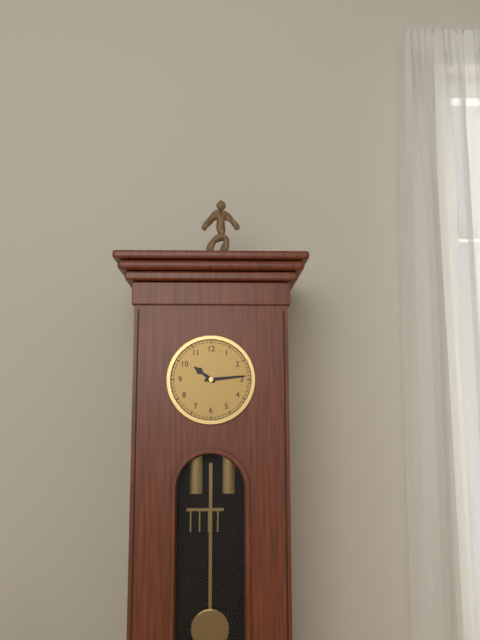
10:14
